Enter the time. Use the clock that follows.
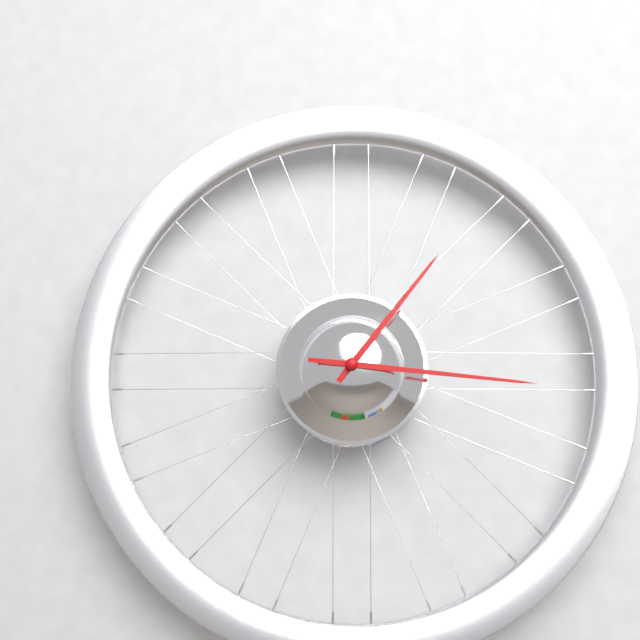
1:16
